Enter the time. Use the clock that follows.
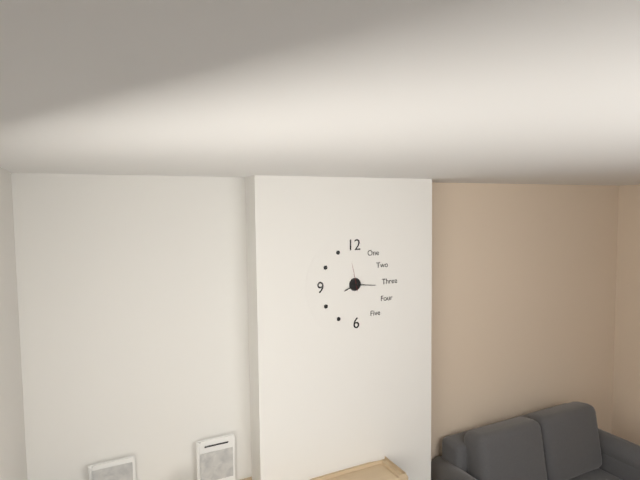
8:16
